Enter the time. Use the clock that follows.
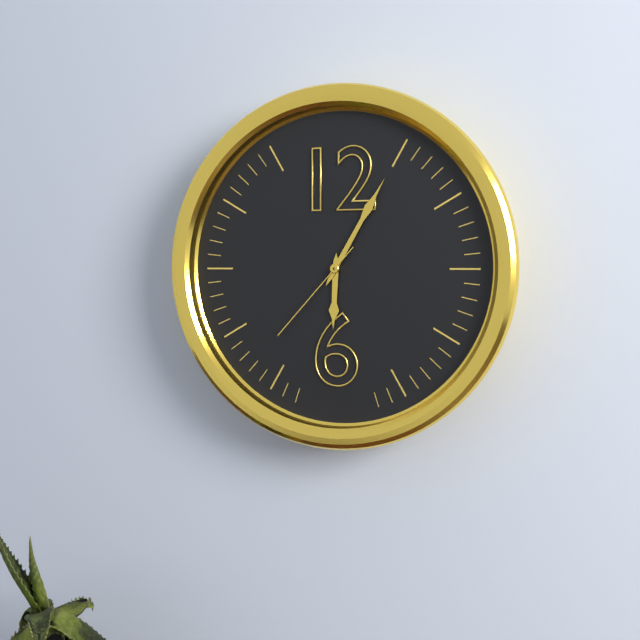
6:05:37
